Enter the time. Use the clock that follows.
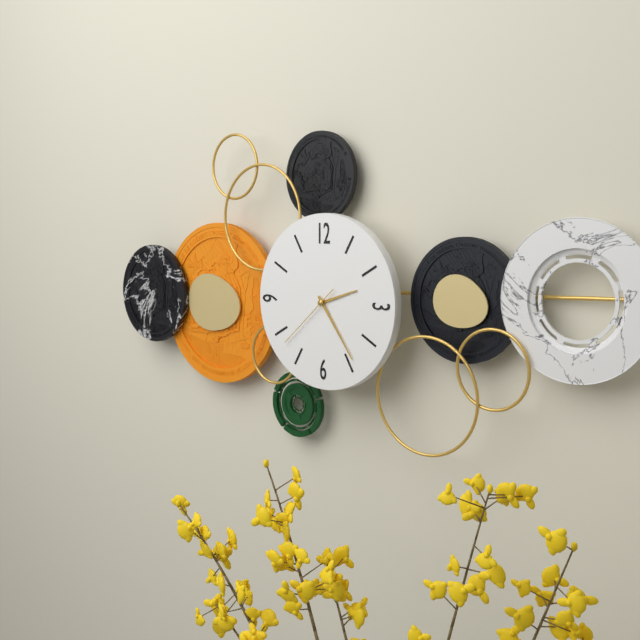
2:24:38
